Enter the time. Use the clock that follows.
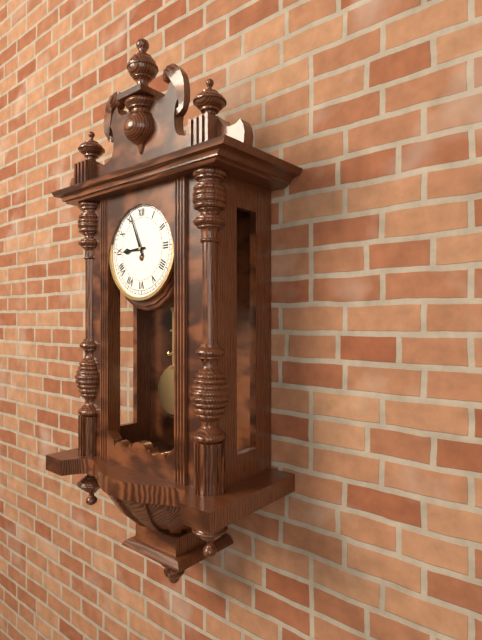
8:56
